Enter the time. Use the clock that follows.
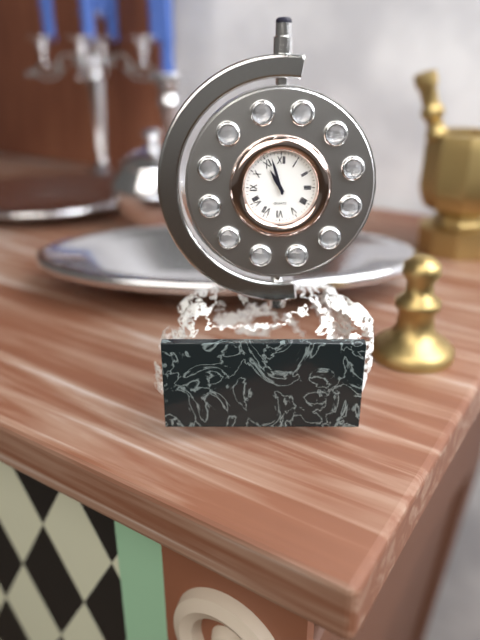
10:57
